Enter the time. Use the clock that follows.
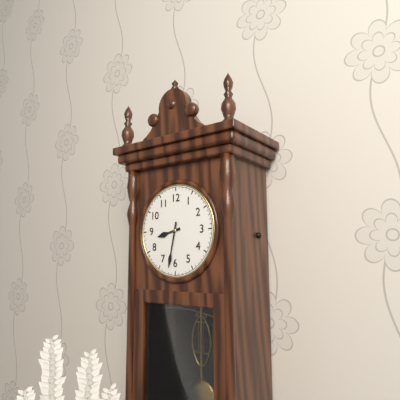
8:32
